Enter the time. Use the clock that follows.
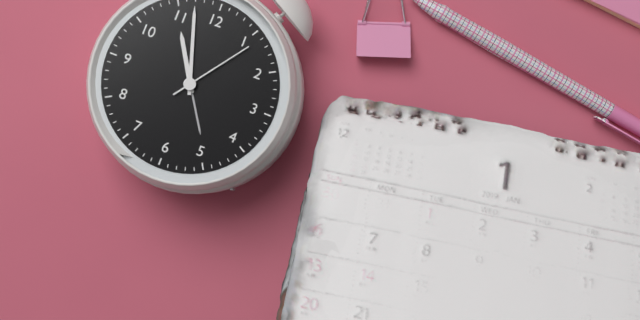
10:57:06
